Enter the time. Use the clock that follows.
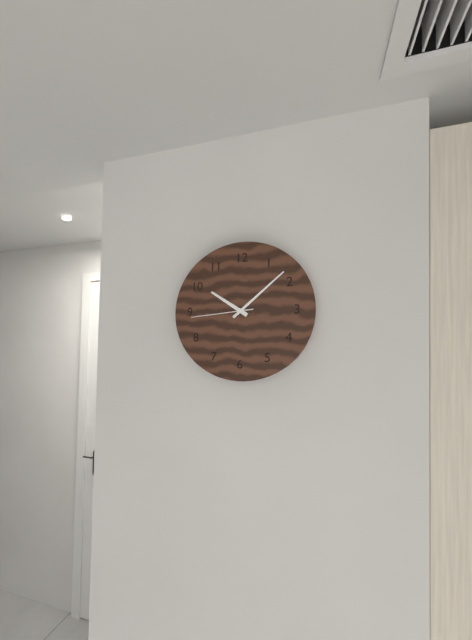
10:08:44
